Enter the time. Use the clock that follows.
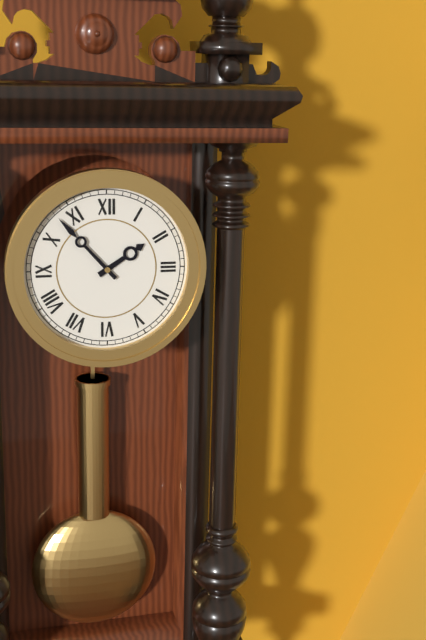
1:53
